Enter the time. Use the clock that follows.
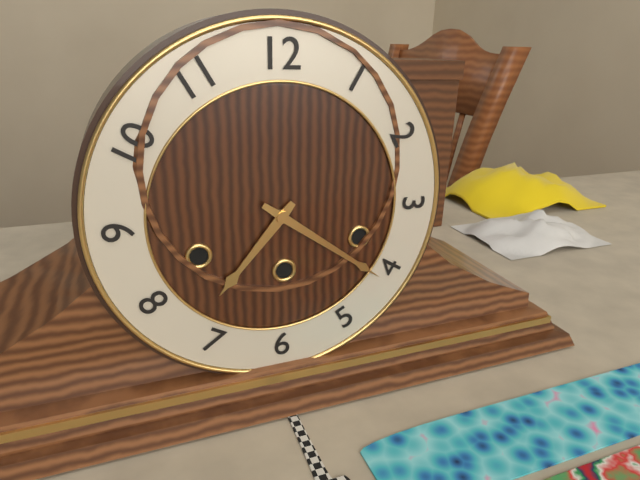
7:21
